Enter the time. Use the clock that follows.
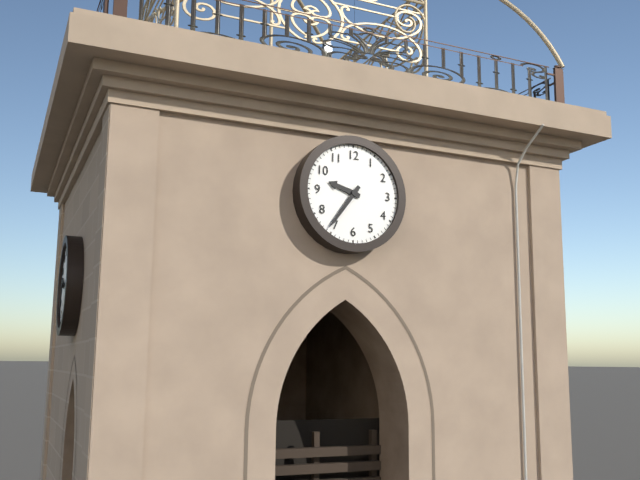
9:36
